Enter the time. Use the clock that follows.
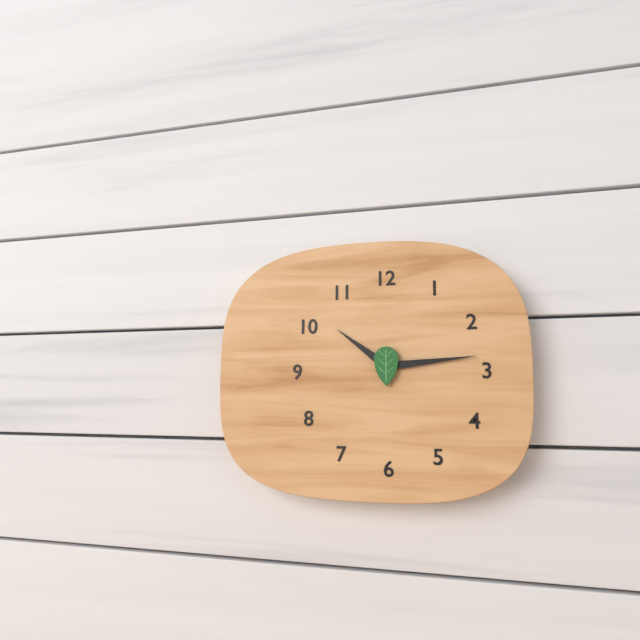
10:14
